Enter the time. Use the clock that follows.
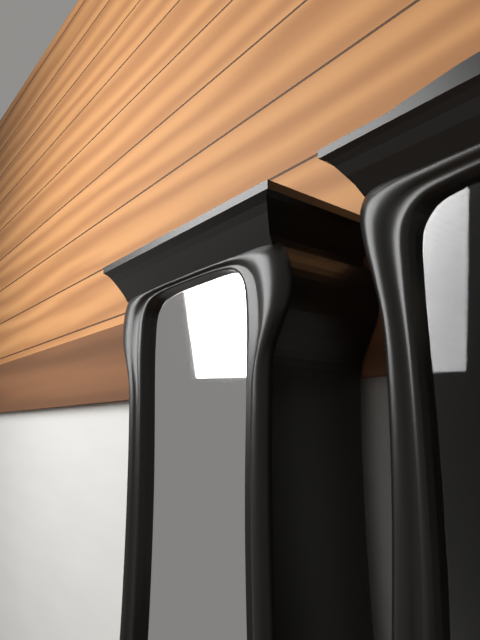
5:59
